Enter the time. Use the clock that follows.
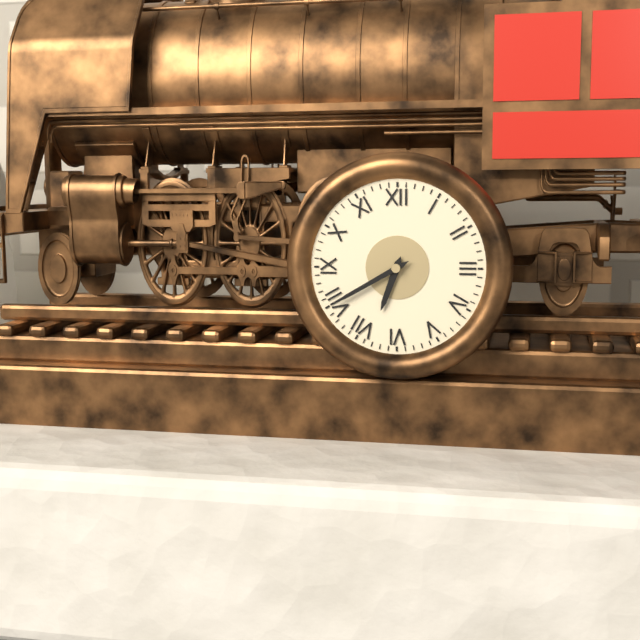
6:40
